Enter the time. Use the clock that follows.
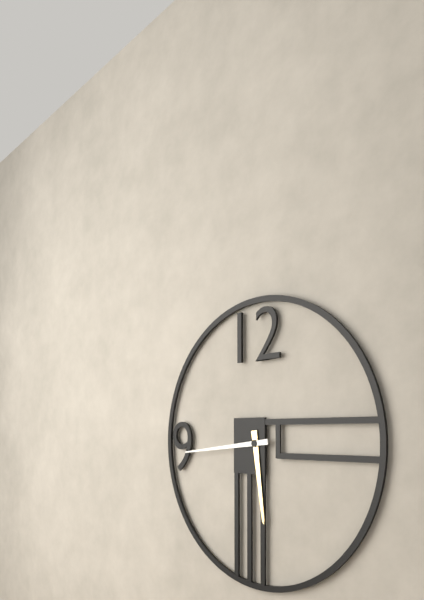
5:44
